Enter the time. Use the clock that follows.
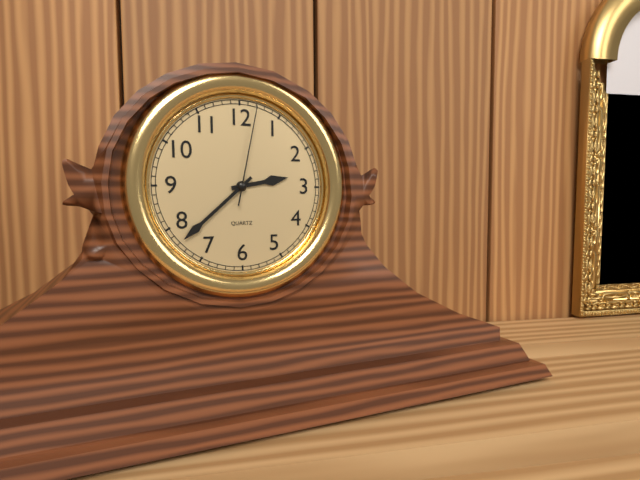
2:38:02
